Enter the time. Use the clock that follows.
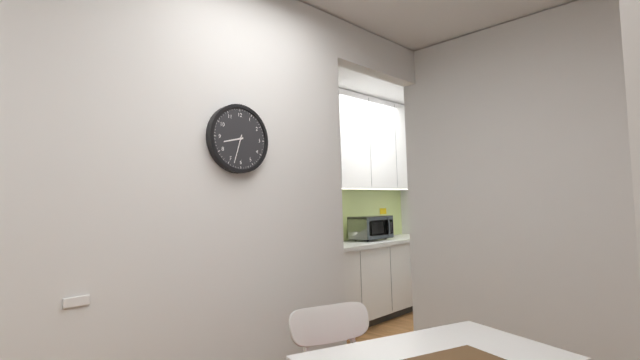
8:33
